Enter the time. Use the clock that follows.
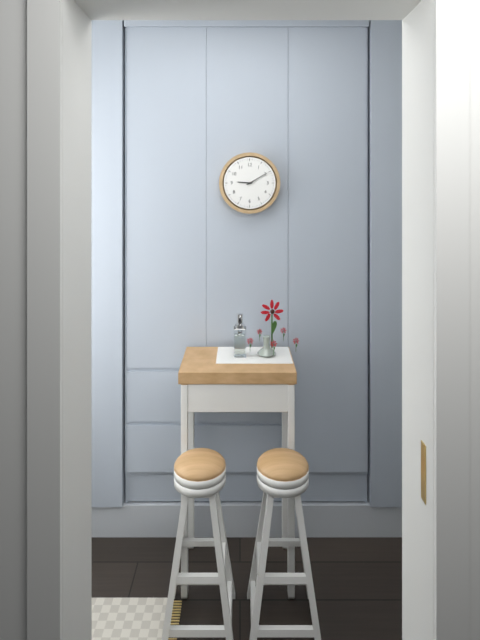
9:10
